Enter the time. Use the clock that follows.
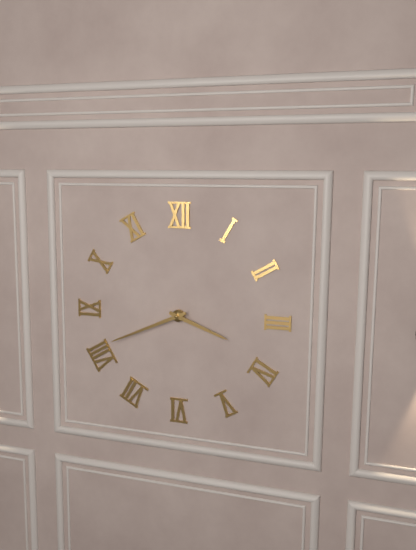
3:41
